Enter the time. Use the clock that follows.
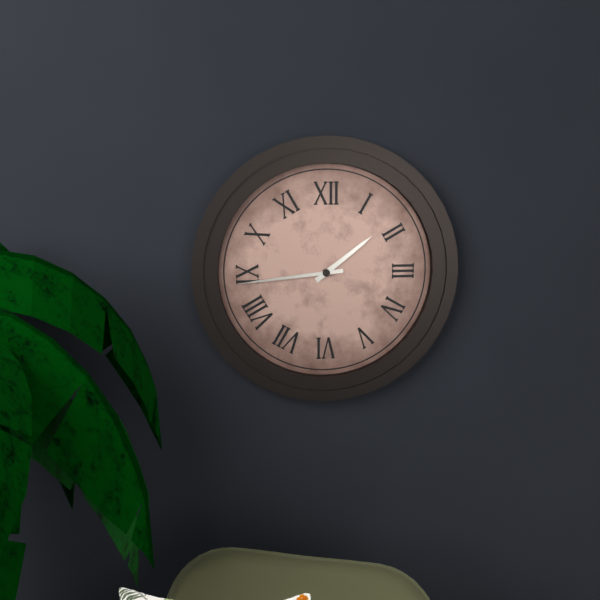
1:44
